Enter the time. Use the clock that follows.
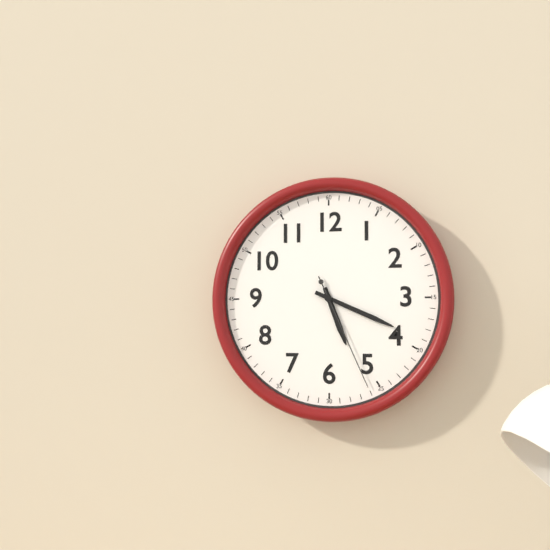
5:19:26
